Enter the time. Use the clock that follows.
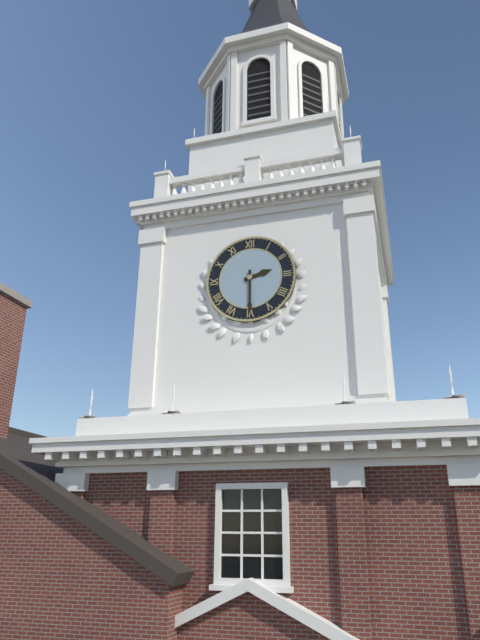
2:30
